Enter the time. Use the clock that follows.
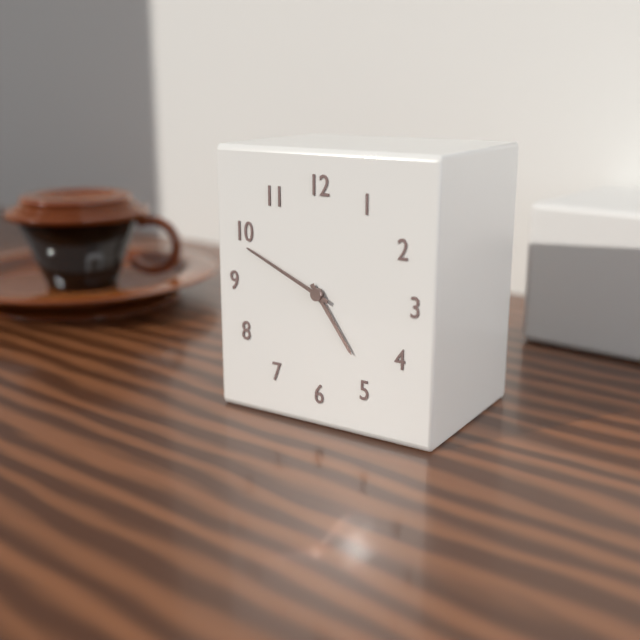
4:49
